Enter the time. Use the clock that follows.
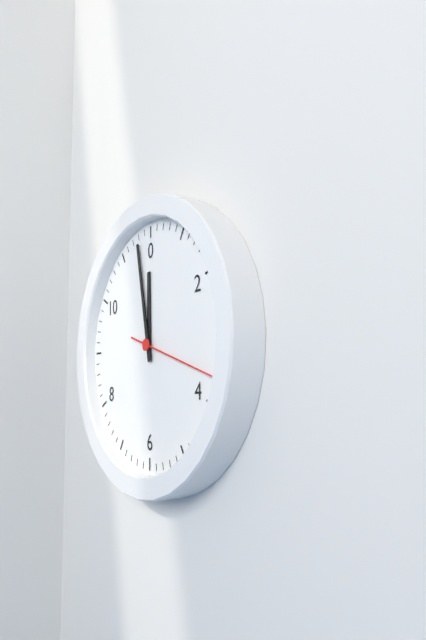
11:58:18
